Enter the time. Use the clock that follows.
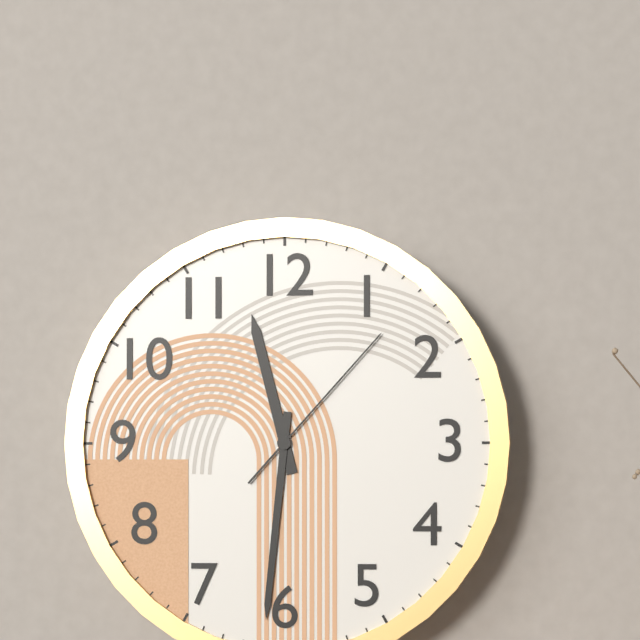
11:31:07
